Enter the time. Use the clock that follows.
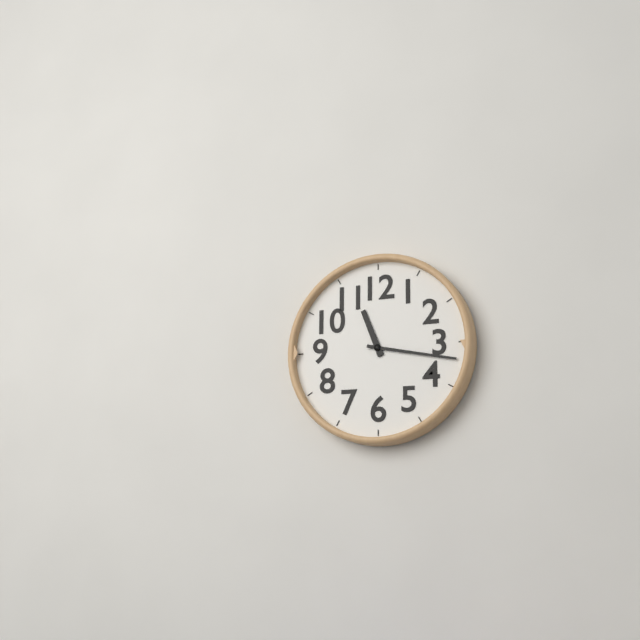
11:17
